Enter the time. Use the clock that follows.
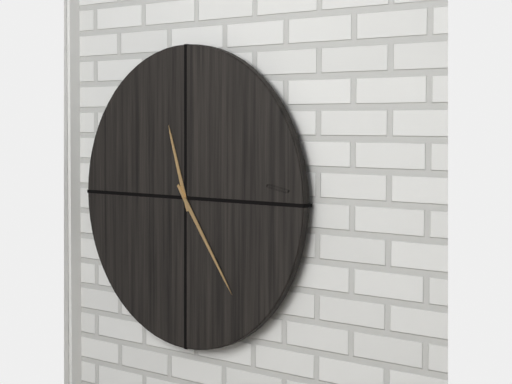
11:24
